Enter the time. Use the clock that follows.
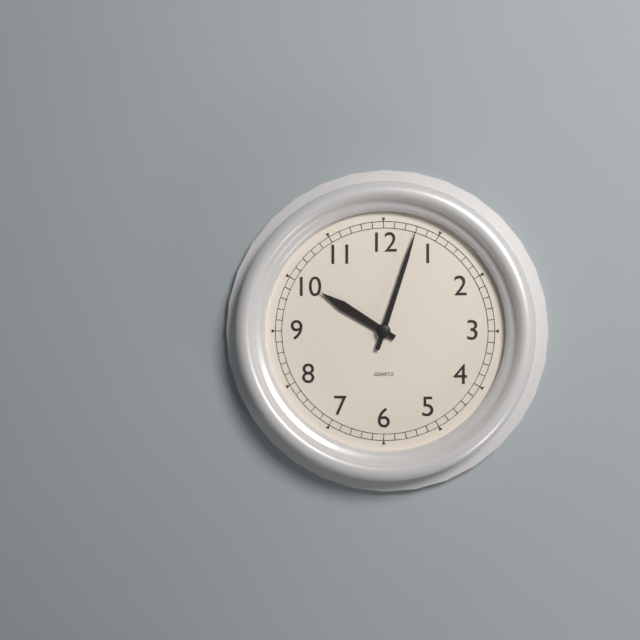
10:03
